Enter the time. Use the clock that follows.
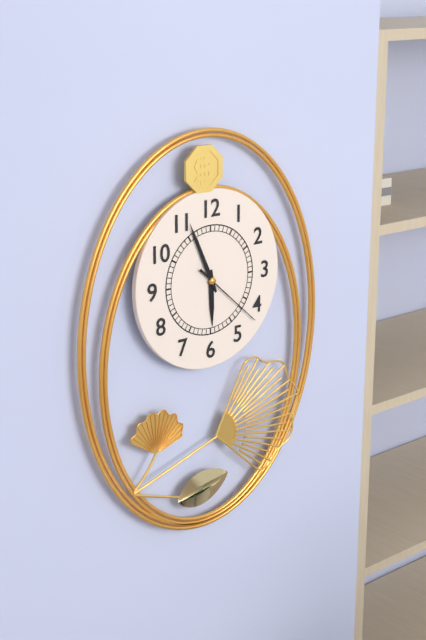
5:56:22
